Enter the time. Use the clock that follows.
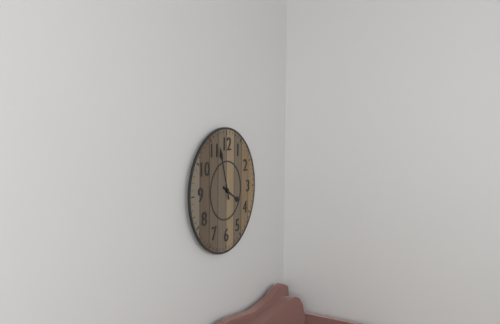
3:57
